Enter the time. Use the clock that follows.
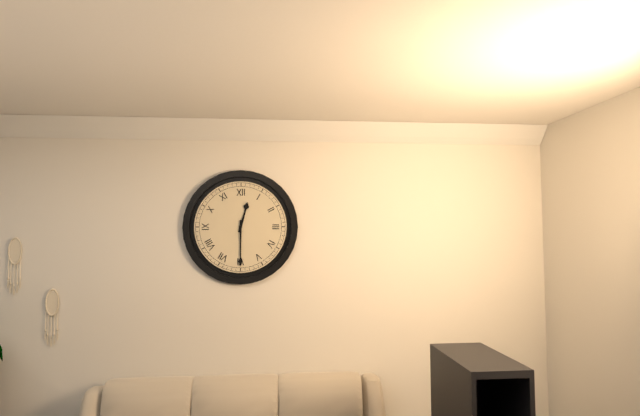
12:30
